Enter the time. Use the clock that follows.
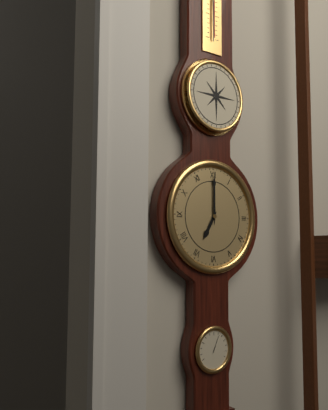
7:00
